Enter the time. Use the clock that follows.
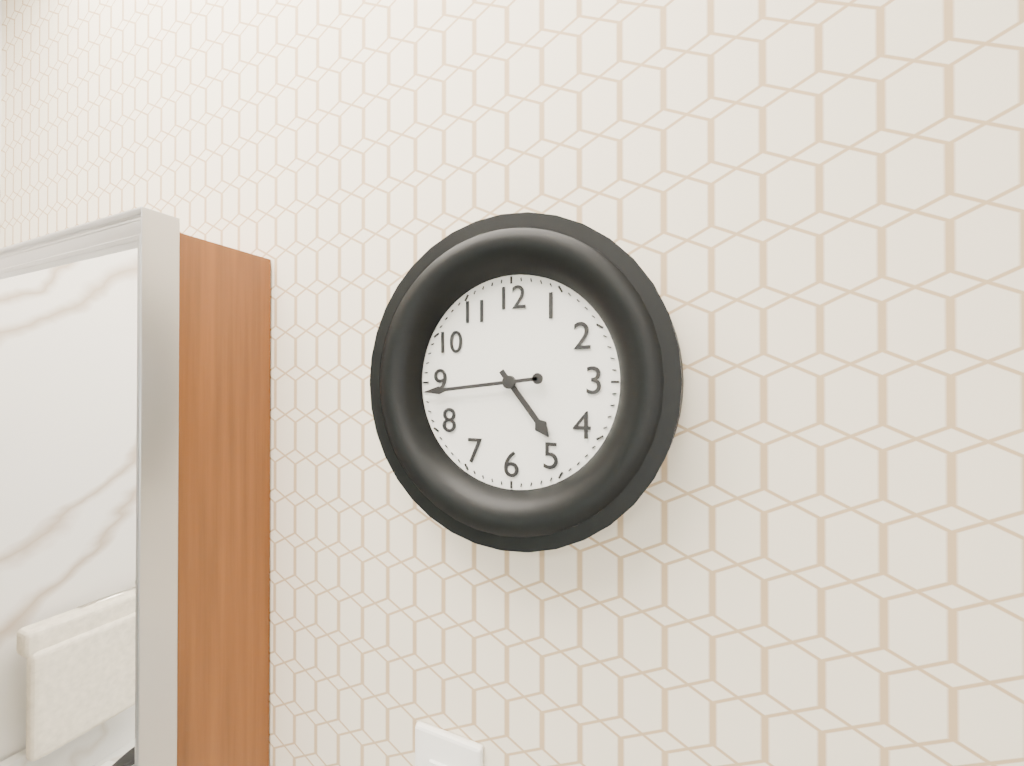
4:44
